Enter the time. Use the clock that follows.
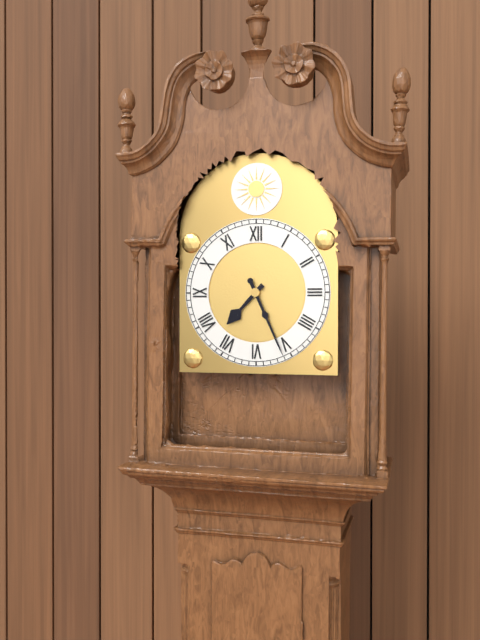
7:26
